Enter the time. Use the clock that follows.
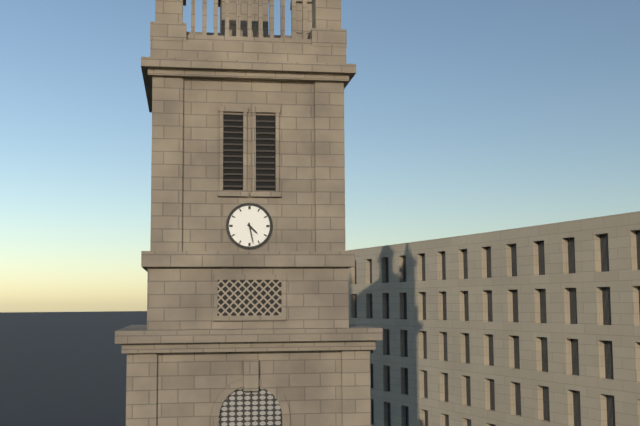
4:28
